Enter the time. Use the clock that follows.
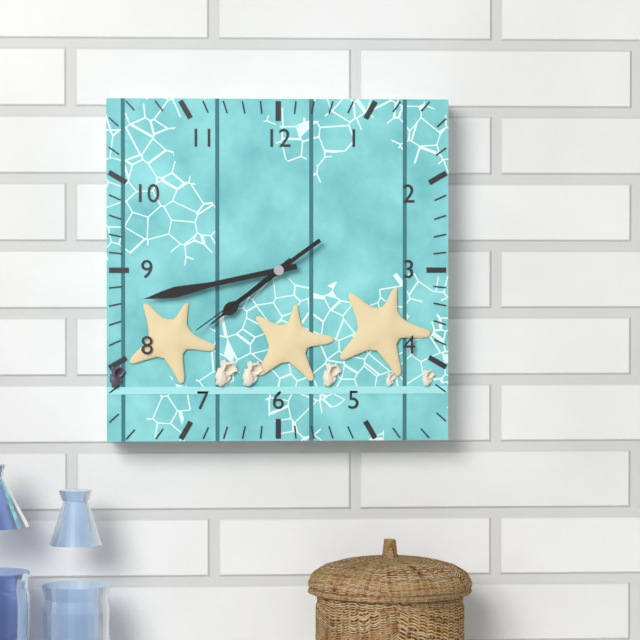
7:43:39
